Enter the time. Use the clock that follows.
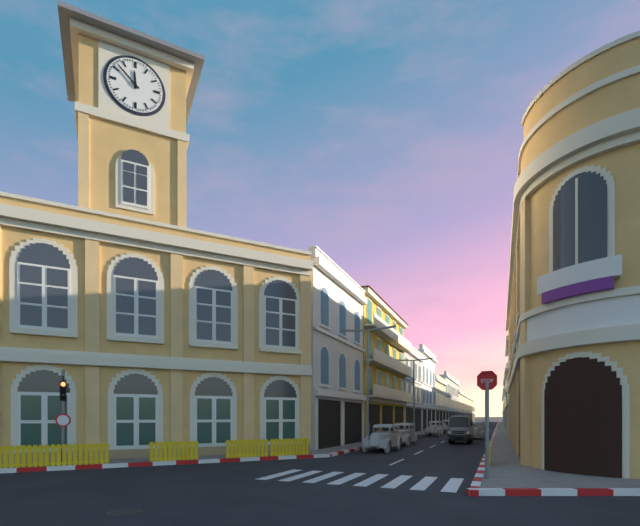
11:52
